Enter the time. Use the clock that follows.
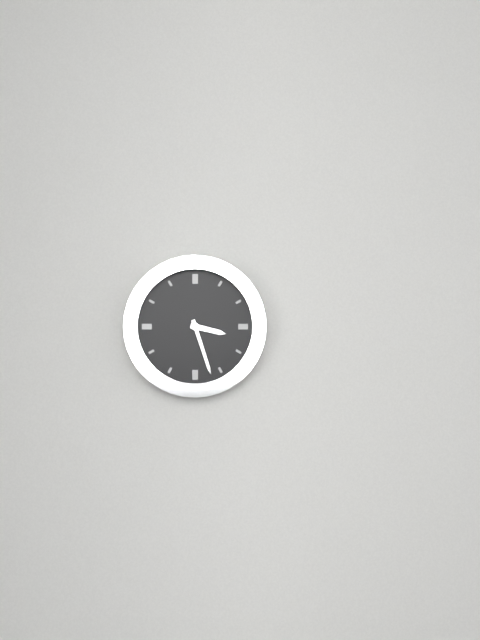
3:27
